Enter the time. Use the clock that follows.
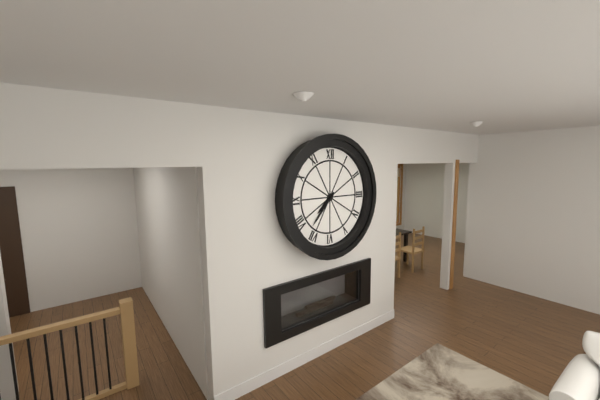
7:37
